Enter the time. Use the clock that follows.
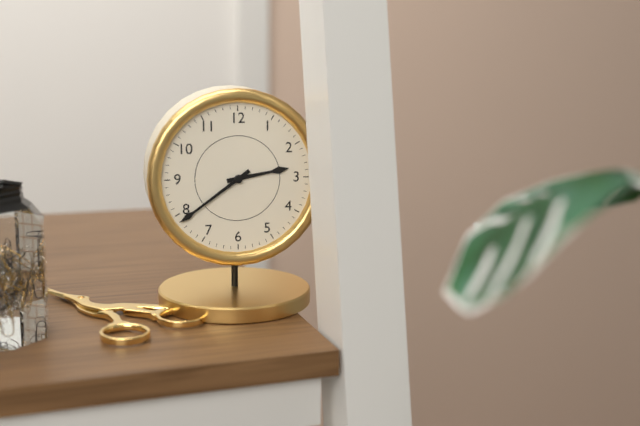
2:39
